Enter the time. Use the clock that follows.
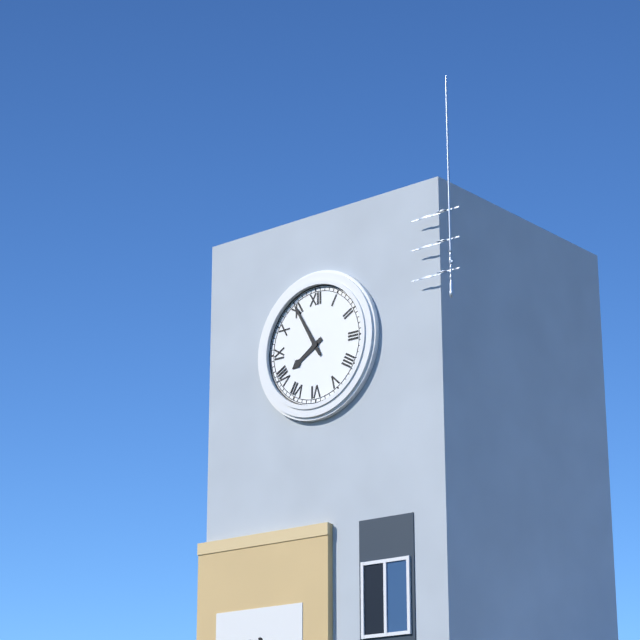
7:55
